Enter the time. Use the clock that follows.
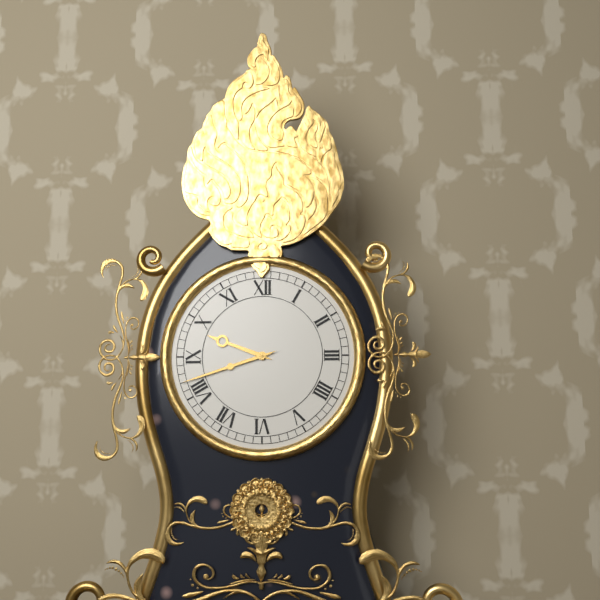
9:42
